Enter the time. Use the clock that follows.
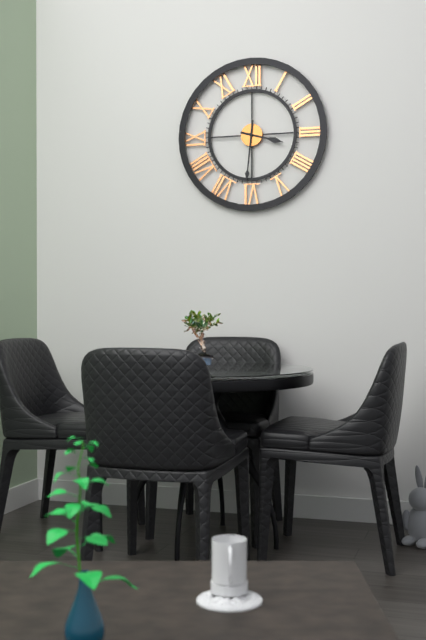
3:31
